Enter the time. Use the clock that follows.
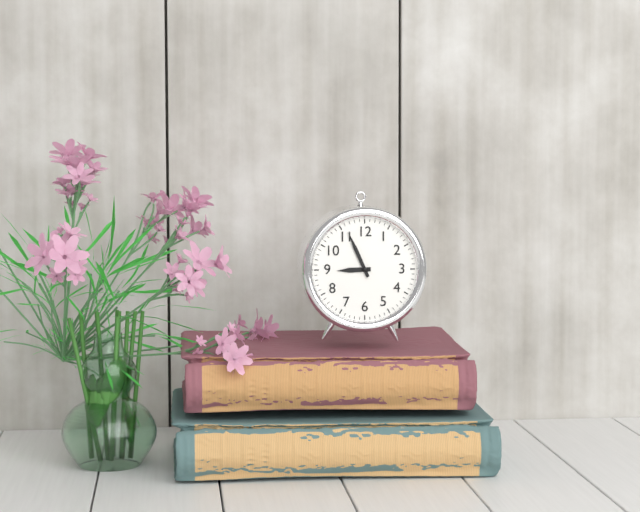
8:56
